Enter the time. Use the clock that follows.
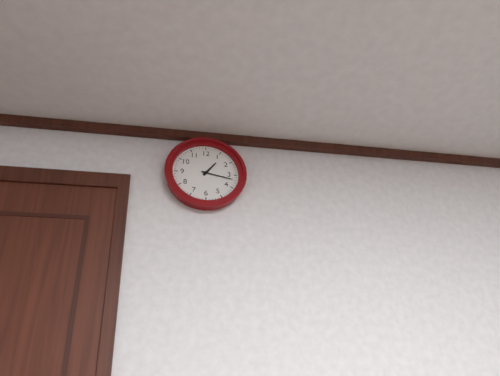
1:17
